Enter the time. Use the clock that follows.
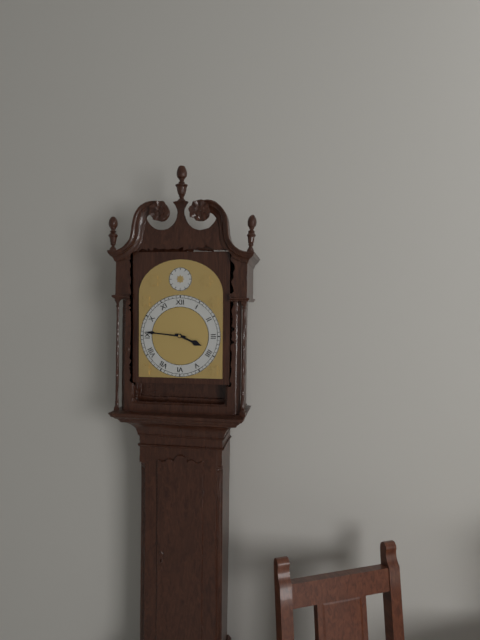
3:46
